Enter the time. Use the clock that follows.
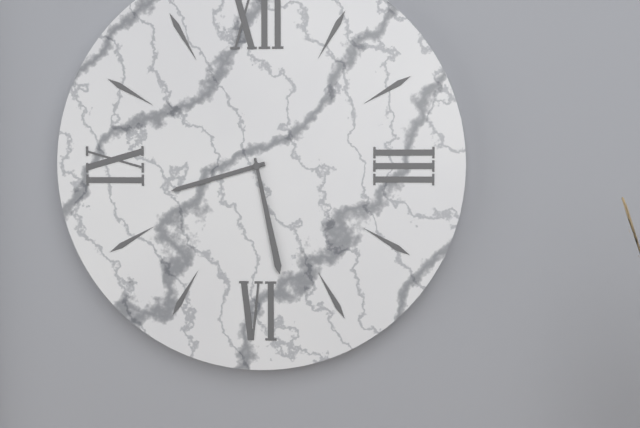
8:28
